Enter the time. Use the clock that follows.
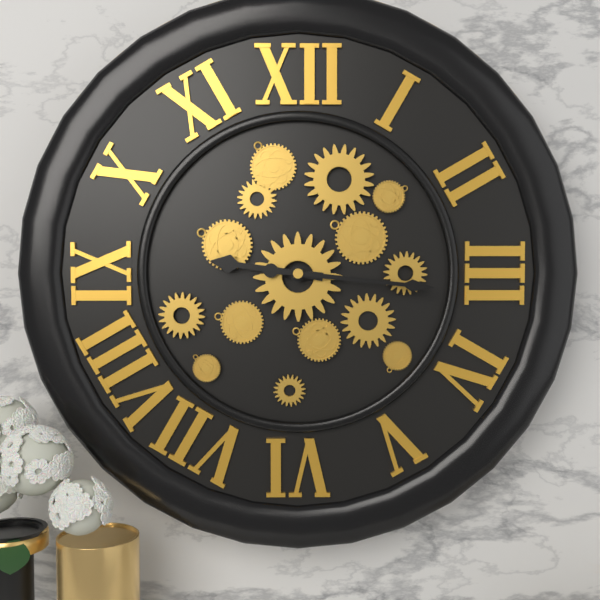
9:16
